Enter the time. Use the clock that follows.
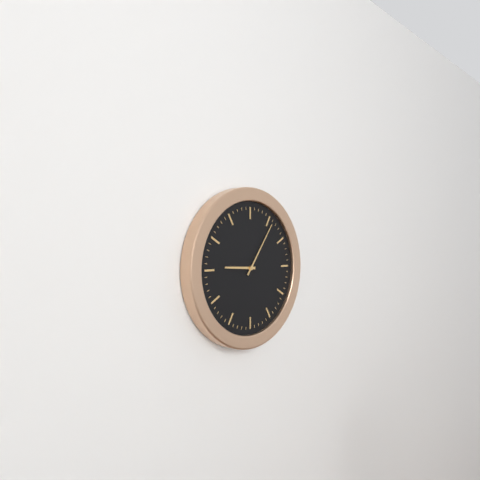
9:06
